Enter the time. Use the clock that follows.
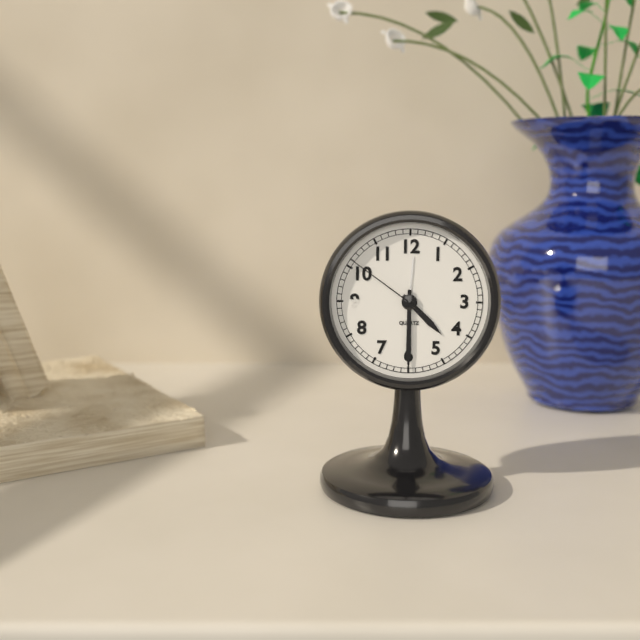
4:30:51
